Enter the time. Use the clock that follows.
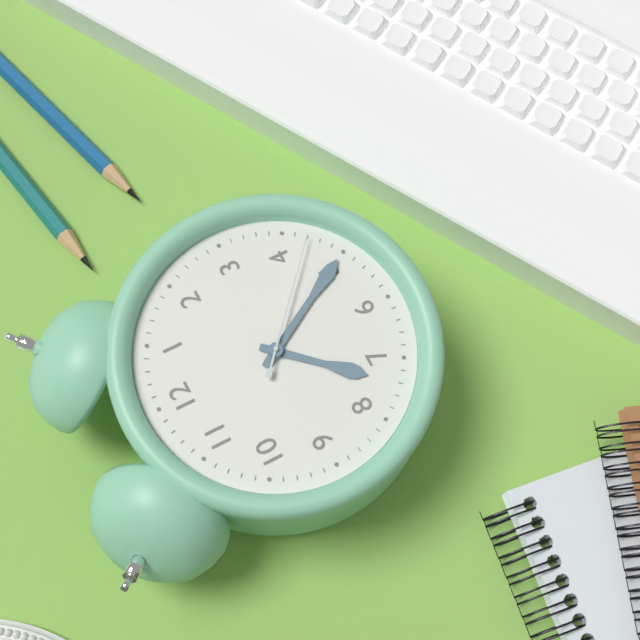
7:25:22
